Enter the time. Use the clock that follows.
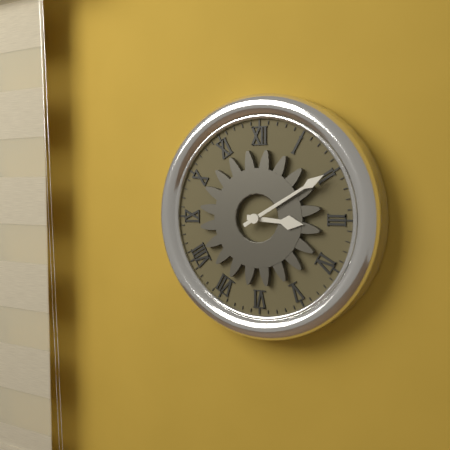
3:10
